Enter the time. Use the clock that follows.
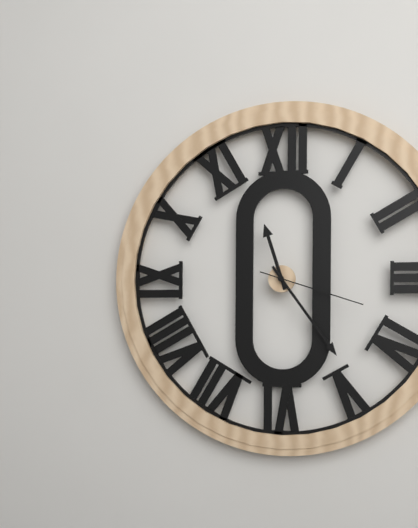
11:24:18
